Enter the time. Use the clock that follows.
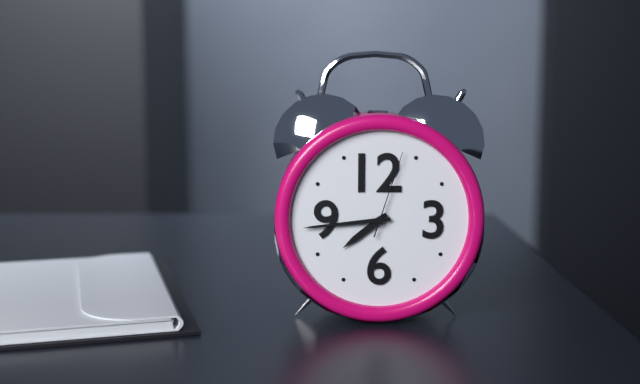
7:44:03
